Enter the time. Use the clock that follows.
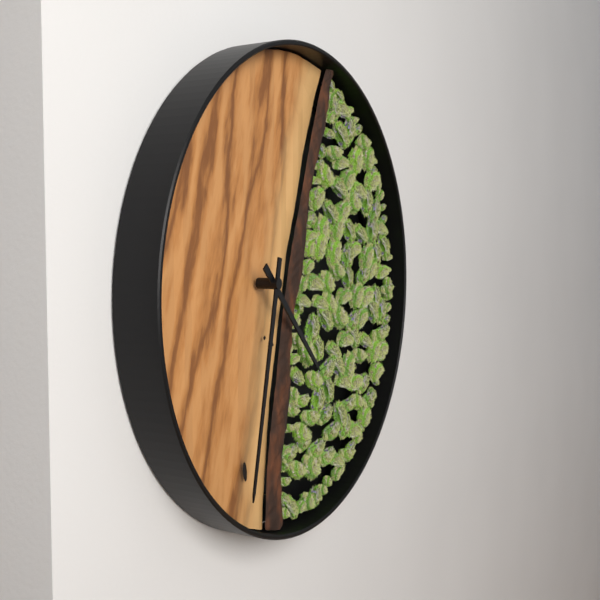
4:32
